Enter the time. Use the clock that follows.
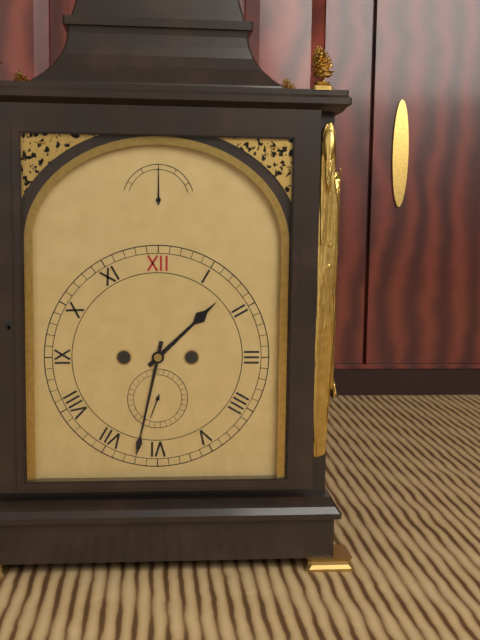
1:32
